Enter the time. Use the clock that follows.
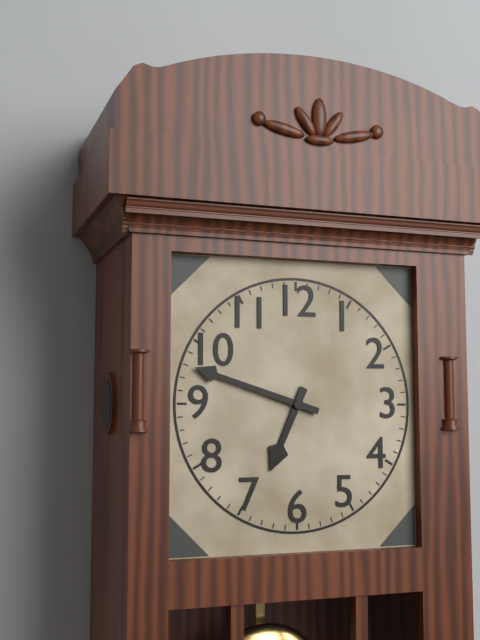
6:48
